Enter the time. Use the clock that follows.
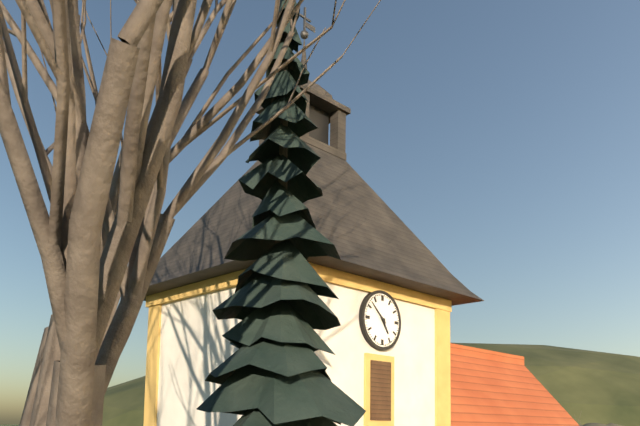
4:52
